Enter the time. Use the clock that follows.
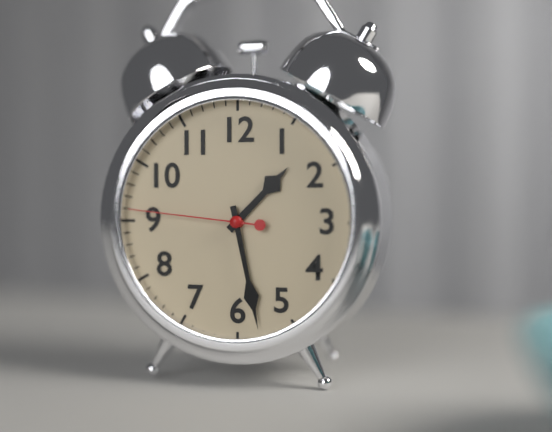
1:28:46
